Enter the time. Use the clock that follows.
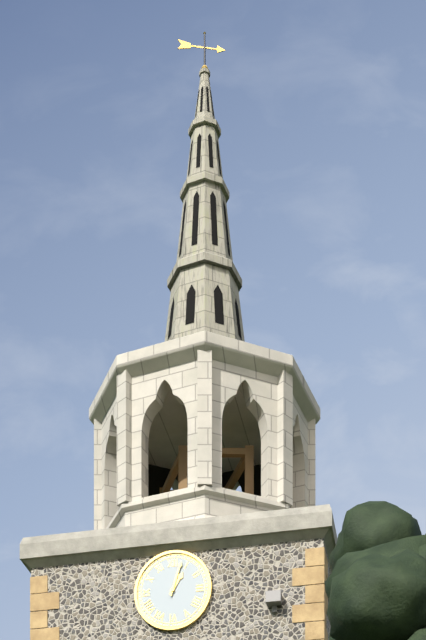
1:03
